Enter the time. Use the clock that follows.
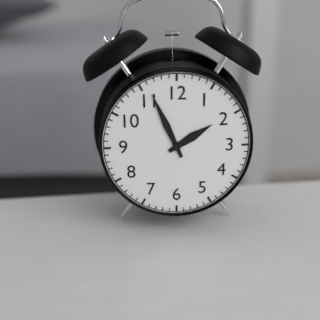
1:56
